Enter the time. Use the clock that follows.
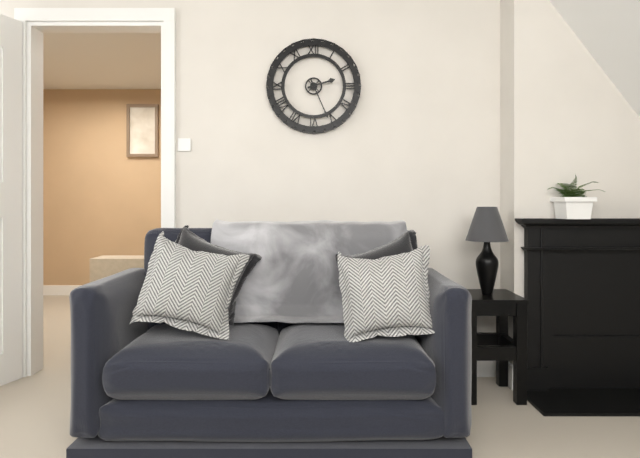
2:26
